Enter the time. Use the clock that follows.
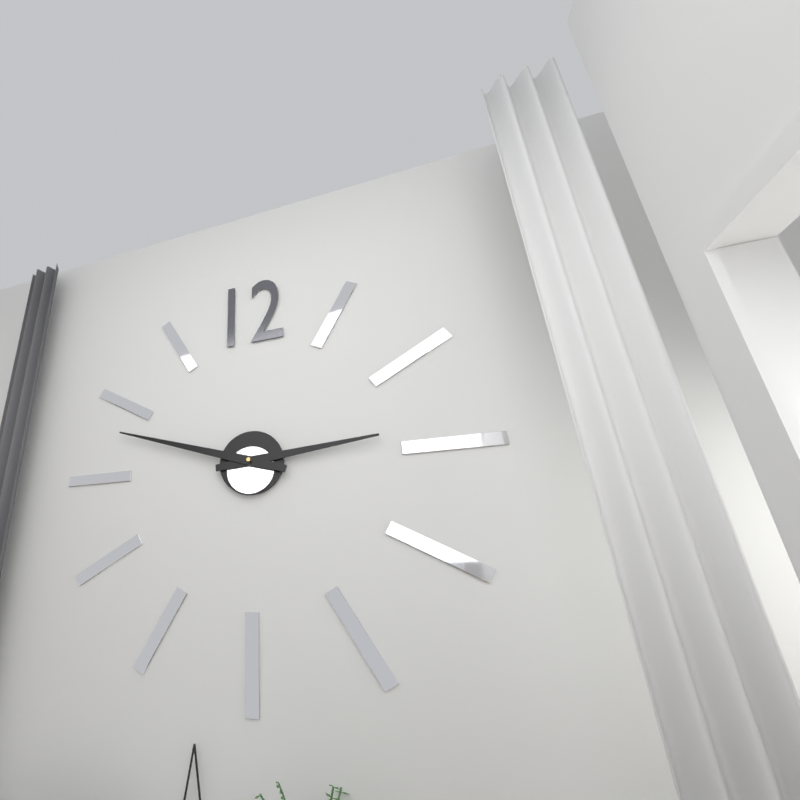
2:48
